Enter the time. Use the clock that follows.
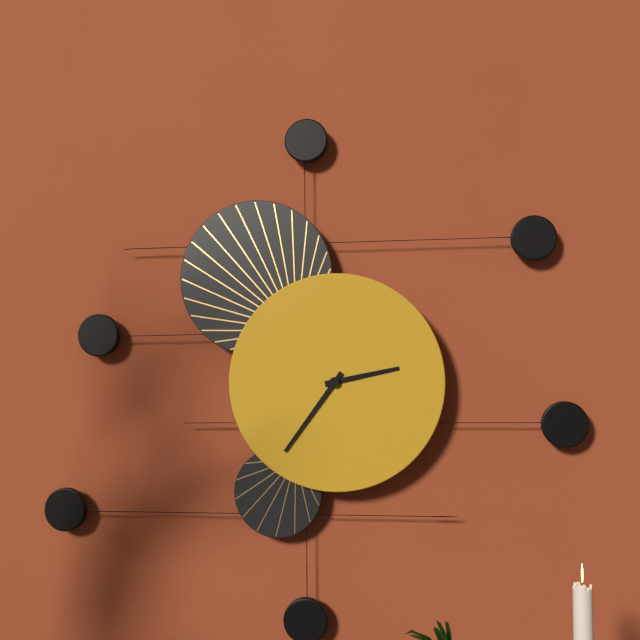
2:36
